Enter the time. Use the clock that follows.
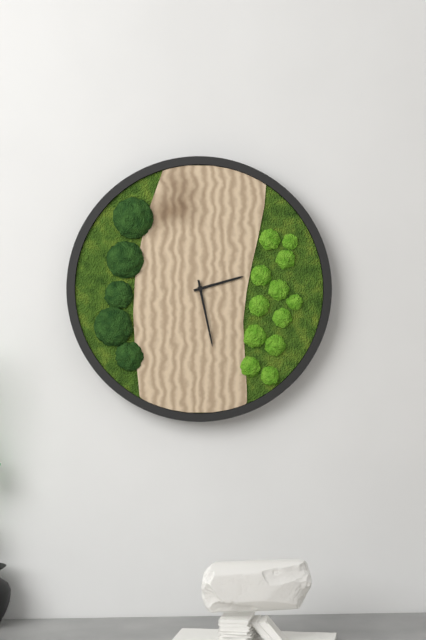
2:28
